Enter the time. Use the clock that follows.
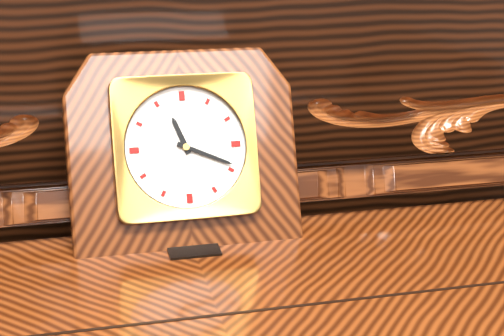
11:19
